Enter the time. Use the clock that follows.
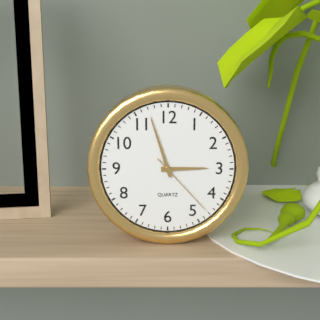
2:57:23
